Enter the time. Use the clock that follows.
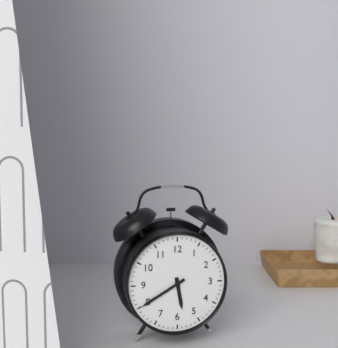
5:40
